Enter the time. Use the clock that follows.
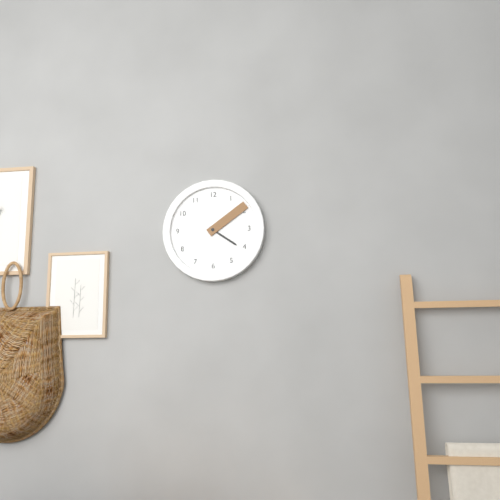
4:09
